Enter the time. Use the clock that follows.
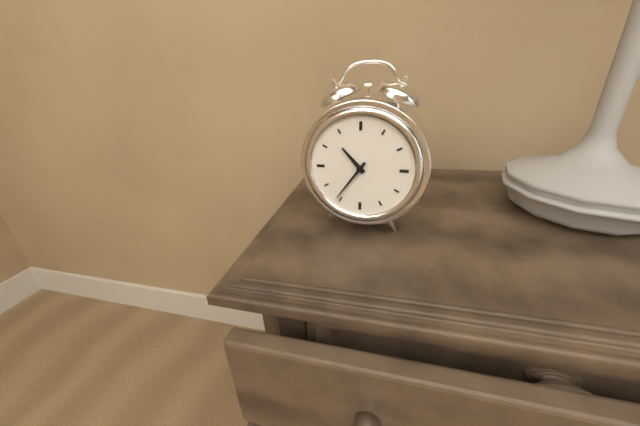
10:36
